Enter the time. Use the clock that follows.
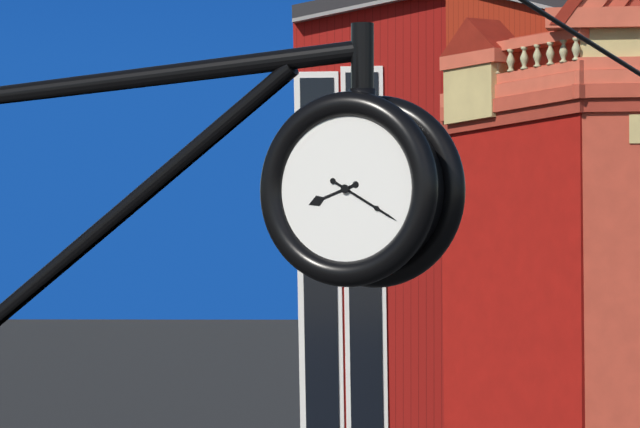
8:20
